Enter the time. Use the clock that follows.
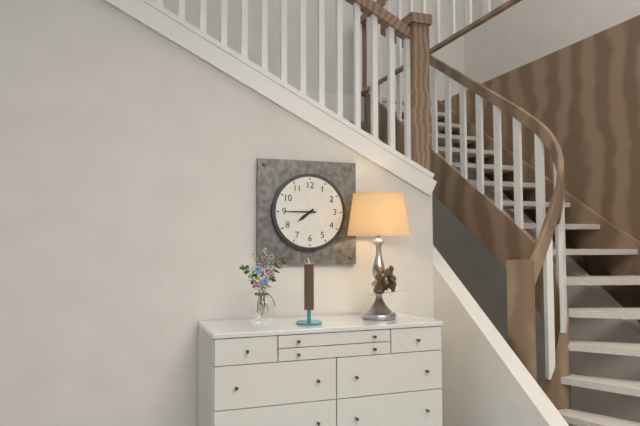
7:45
